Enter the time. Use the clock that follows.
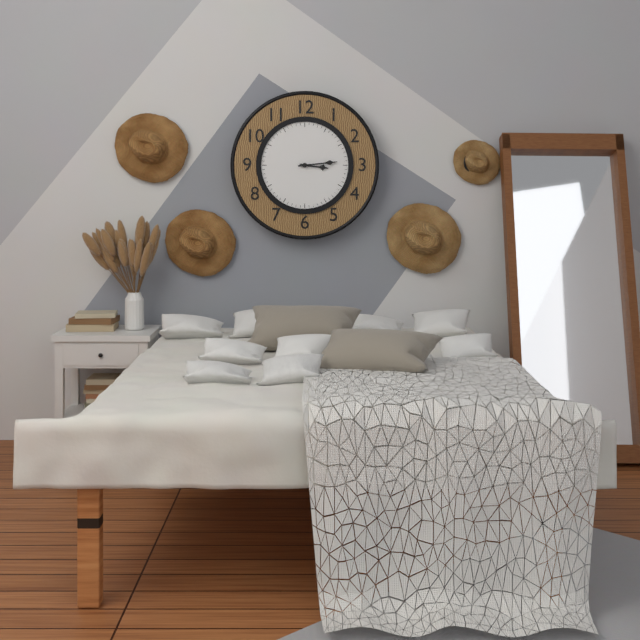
3:14
